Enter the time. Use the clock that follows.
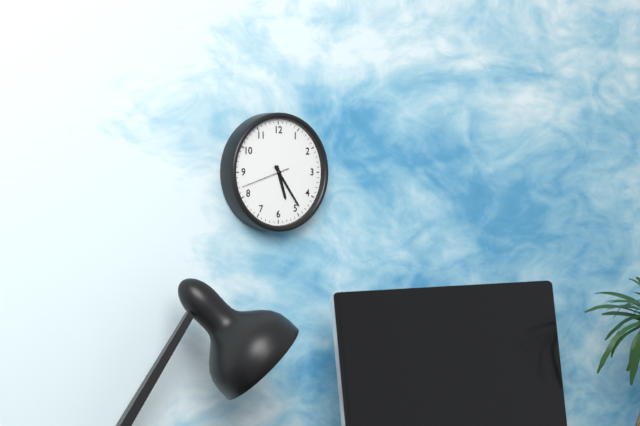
5:24
